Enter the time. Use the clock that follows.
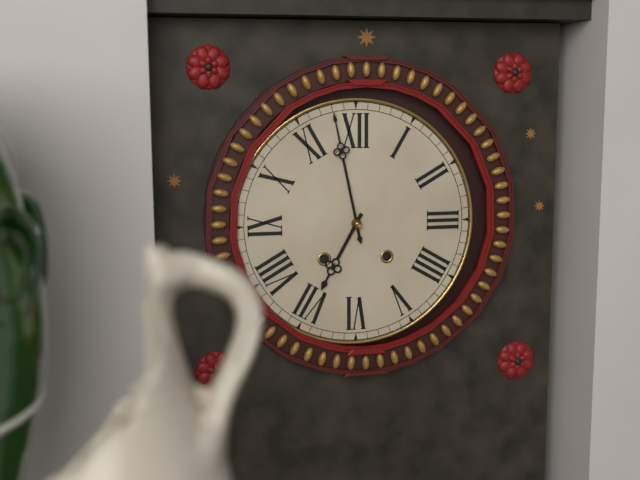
6:58
